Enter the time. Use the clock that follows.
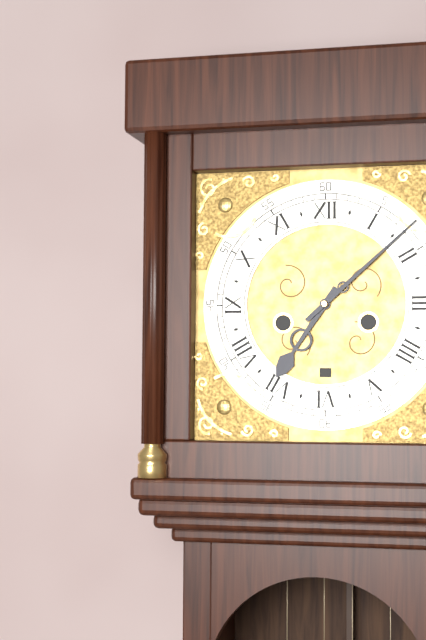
7:08
